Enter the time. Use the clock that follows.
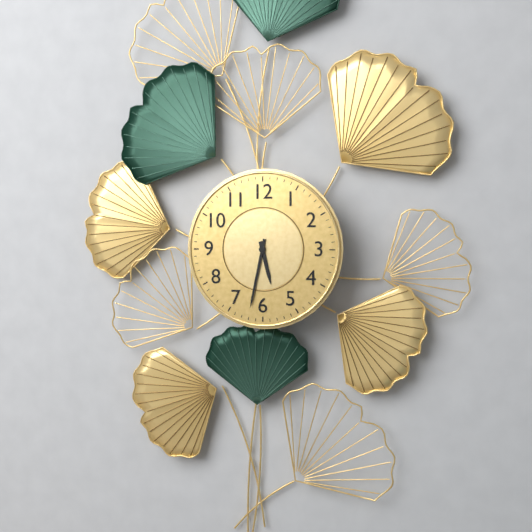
5:32
